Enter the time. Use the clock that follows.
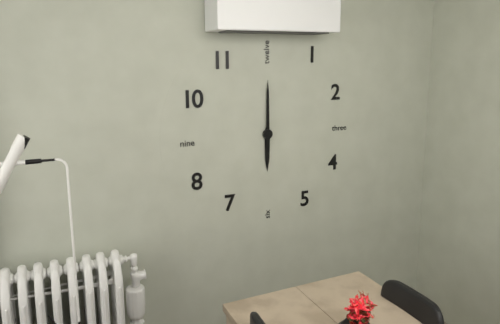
6:00
